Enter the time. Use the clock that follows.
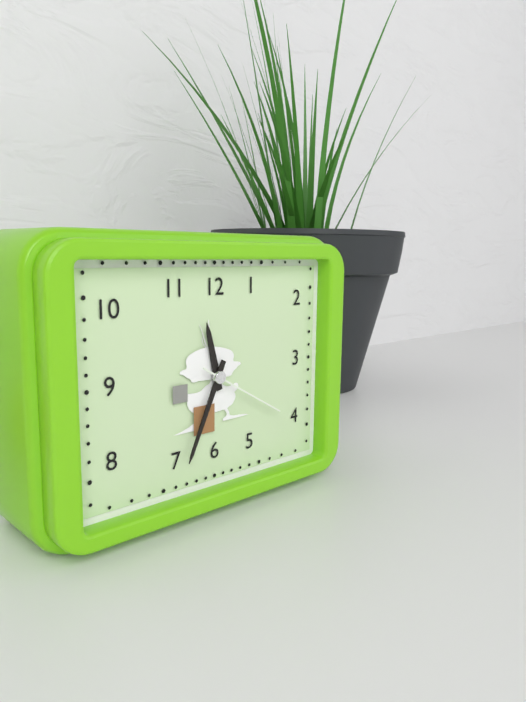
11:34:20
